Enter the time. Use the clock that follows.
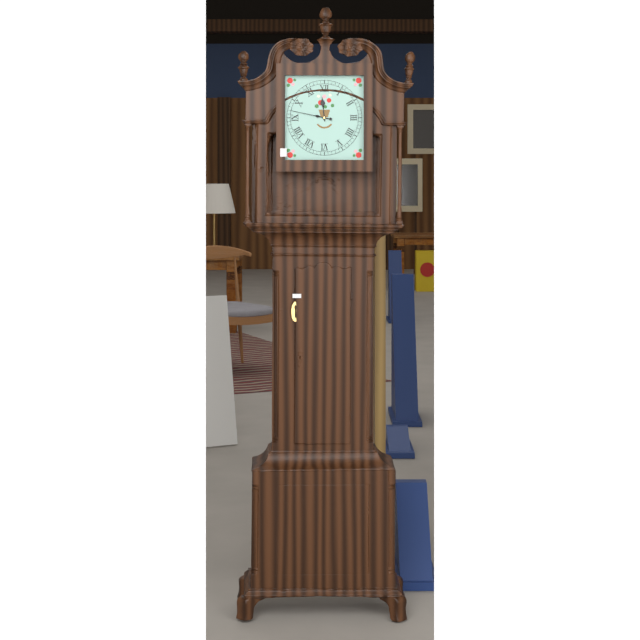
11:47
